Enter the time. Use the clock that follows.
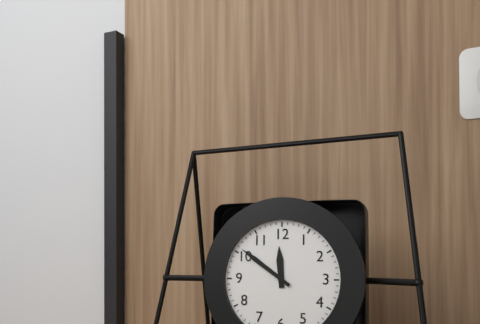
11:51
